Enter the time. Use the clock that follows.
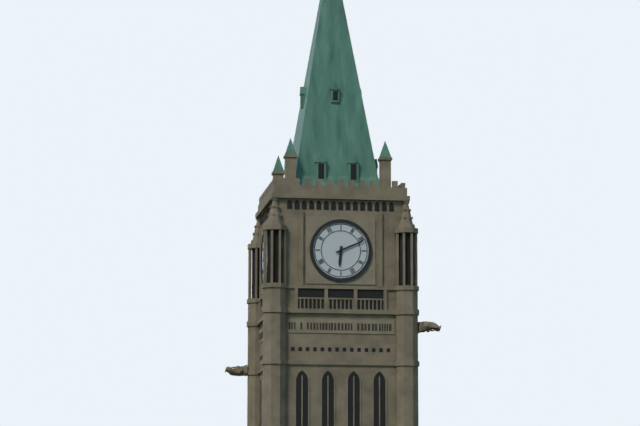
6:11
